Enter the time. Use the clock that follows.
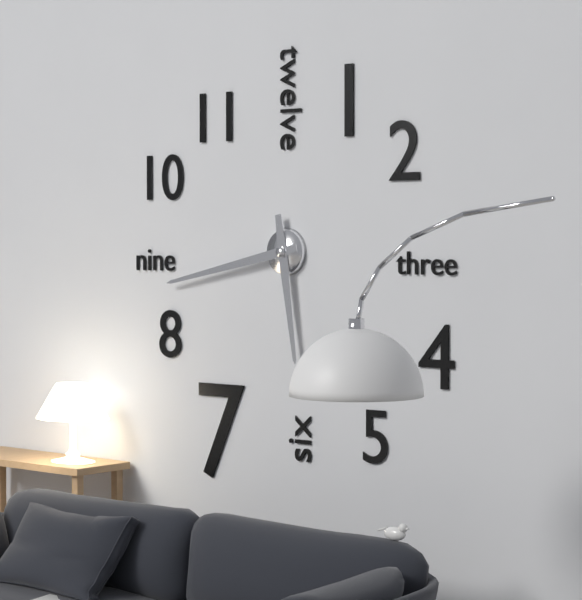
5:43
